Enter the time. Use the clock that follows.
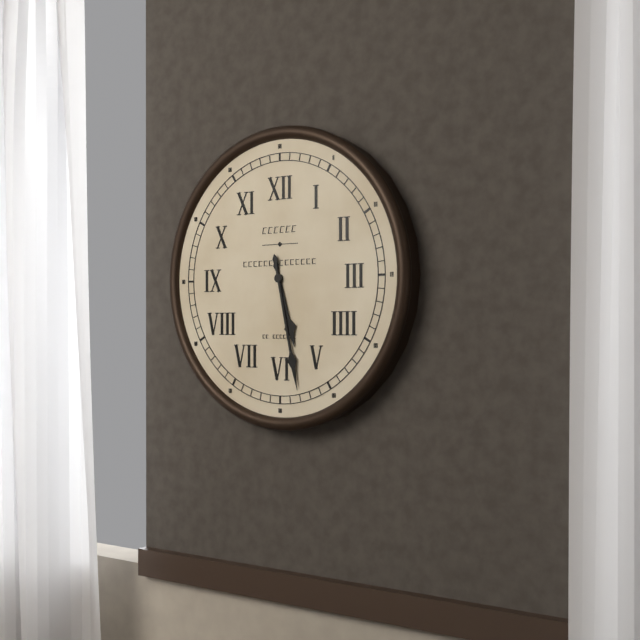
5:28
